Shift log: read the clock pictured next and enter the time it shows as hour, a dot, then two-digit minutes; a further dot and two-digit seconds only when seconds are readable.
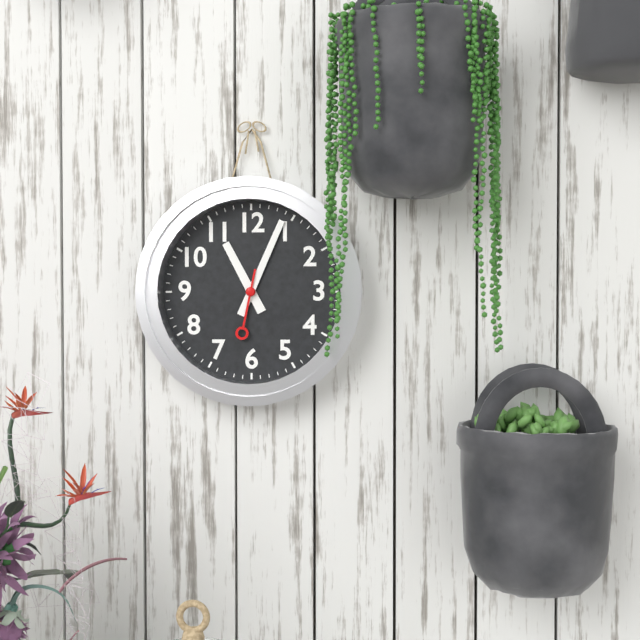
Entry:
11.04.32
